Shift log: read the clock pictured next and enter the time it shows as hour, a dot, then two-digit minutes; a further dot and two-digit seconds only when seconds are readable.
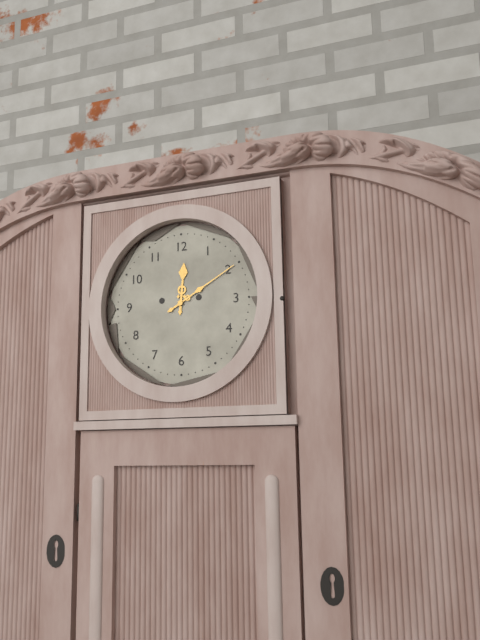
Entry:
12.10
